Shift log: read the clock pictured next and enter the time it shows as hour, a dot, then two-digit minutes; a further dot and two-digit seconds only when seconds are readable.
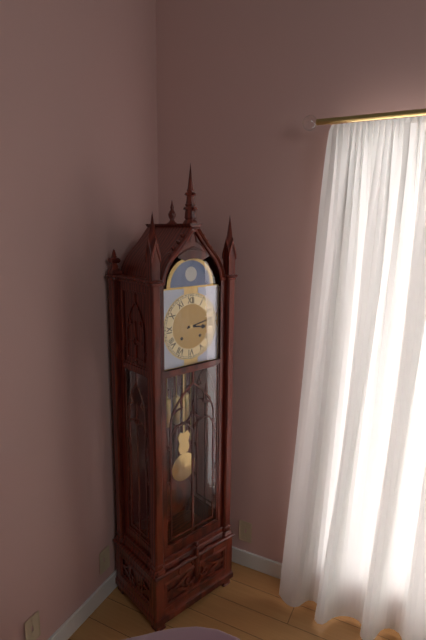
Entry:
3.13
